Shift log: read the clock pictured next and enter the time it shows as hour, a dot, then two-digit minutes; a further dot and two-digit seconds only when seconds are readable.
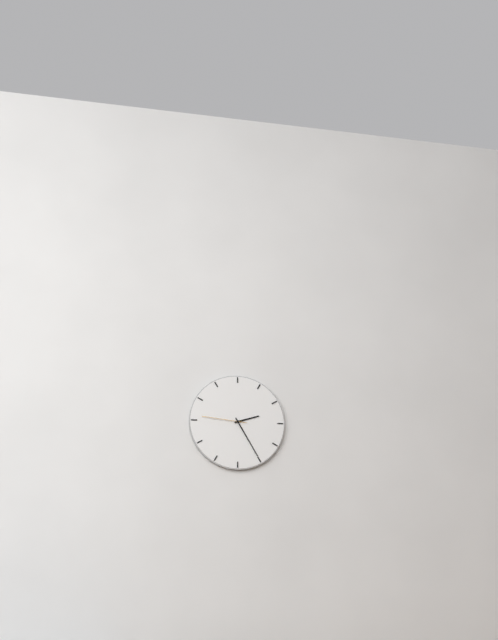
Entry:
2.25
